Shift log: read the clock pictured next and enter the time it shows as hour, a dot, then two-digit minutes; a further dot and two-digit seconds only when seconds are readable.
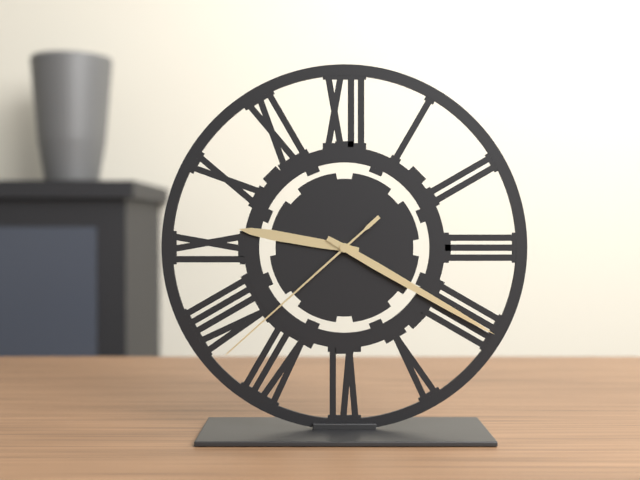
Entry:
9.20.38
